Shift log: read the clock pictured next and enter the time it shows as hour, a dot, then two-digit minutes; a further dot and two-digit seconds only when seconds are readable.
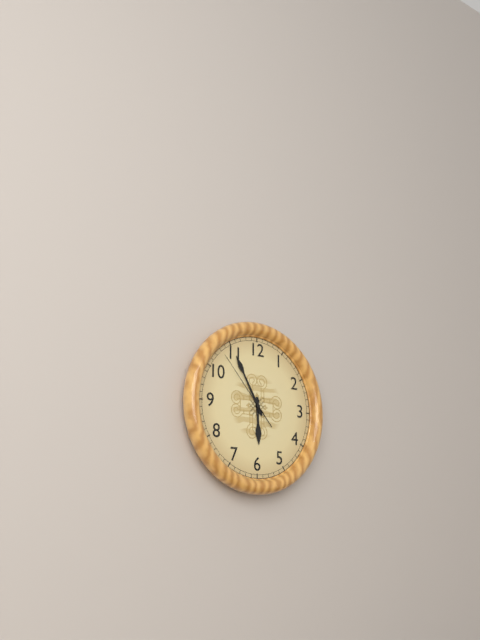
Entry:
5.55.53
